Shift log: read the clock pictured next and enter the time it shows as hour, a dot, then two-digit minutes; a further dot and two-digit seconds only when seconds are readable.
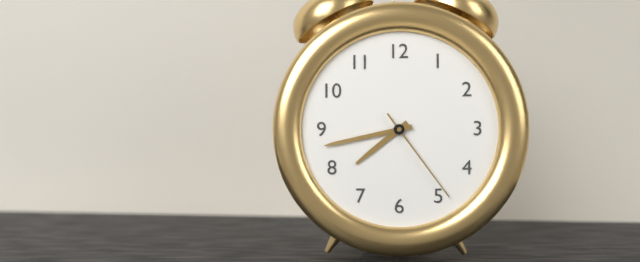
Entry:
7.43.24
